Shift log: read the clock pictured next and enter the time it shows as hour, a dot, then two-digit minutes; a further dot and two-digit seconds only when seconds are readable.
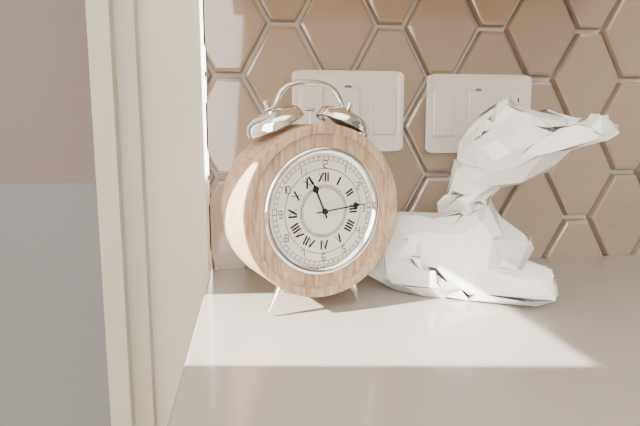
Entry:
11.14
